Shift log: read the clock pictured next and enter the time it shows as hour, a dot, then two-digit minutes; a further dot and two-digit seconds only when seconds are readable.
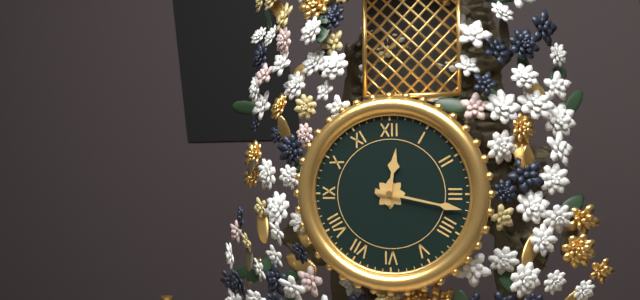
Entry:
12.17
